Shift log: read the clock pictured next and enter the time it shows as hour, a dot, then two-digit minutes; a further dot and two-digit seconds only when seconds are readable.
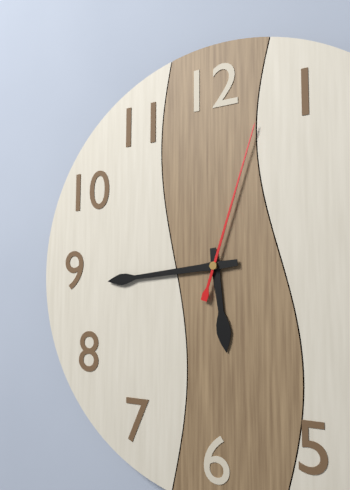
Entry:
5.44.03
